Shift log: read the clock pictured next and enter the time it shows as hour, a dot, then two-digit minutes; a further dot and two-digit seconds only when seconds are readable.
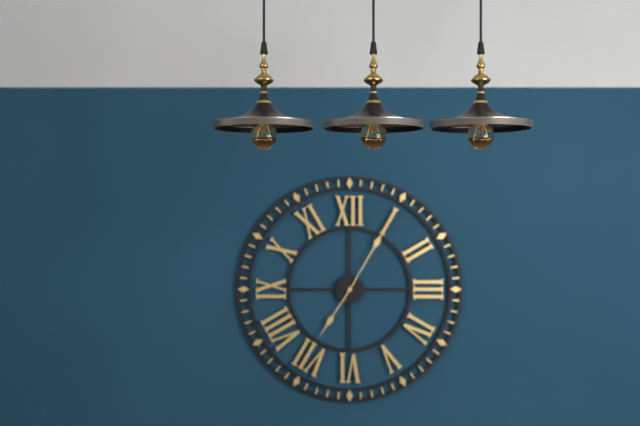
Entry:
7.05
